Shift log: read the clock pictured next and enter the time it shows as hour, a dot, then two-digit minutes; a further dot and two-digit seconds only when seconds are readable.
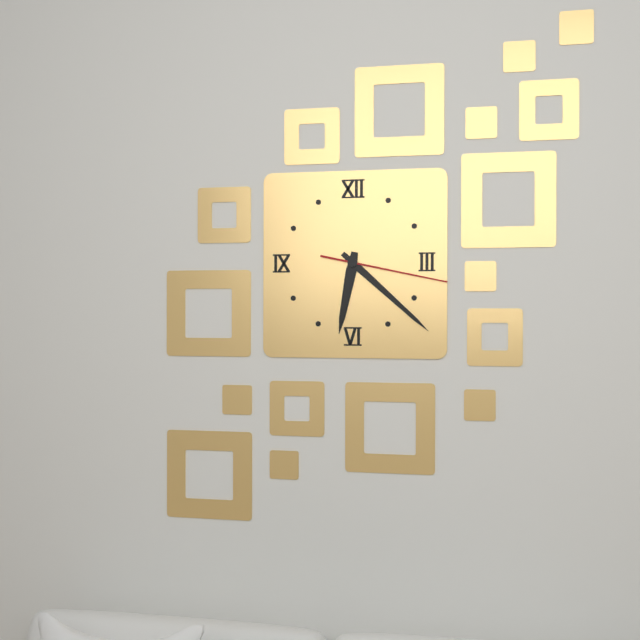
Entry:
6.22.17
